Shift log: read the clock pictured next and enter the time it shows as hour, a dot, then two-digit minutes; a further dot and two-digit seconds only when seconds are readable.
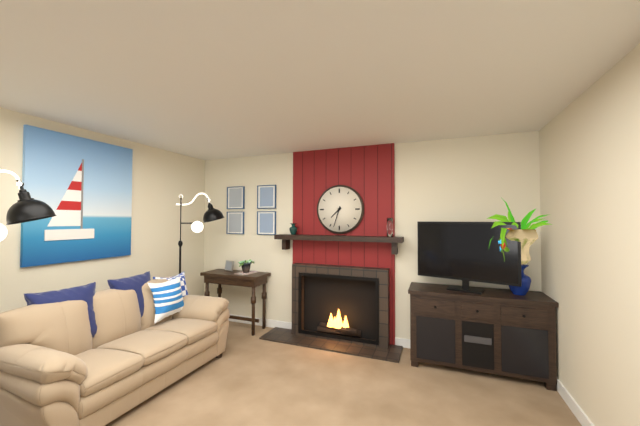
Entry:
7.33
